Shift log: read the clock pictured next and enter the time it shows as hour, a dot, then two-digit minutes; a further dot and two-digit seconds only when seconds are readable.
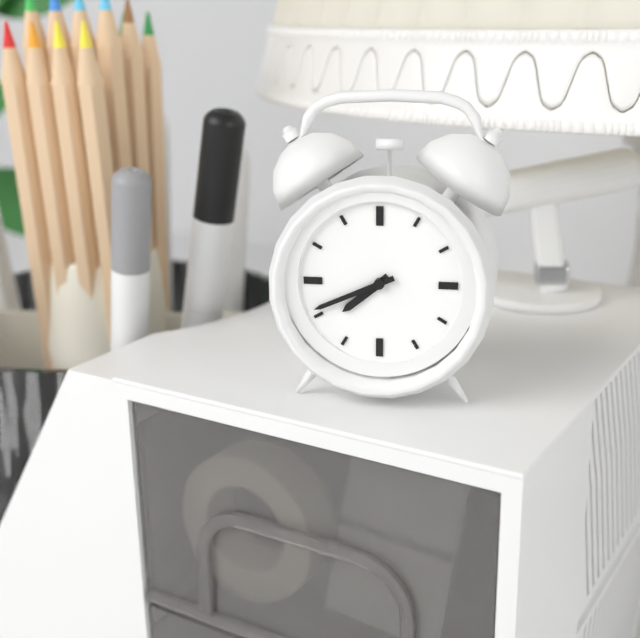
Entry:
7.41
